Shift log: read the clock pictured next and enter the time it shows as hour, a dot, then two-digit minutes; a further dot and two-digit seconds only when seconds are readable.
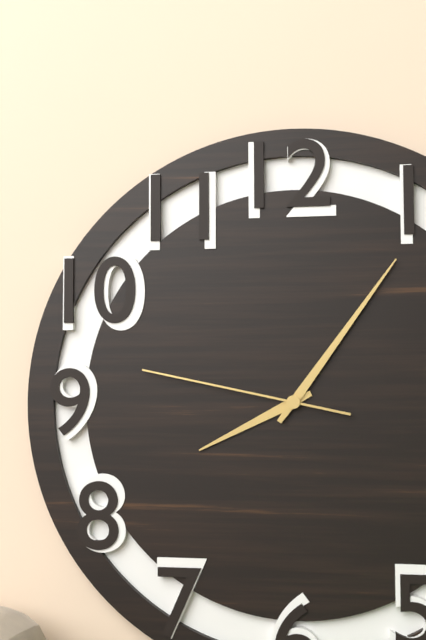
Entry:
8.06.47
